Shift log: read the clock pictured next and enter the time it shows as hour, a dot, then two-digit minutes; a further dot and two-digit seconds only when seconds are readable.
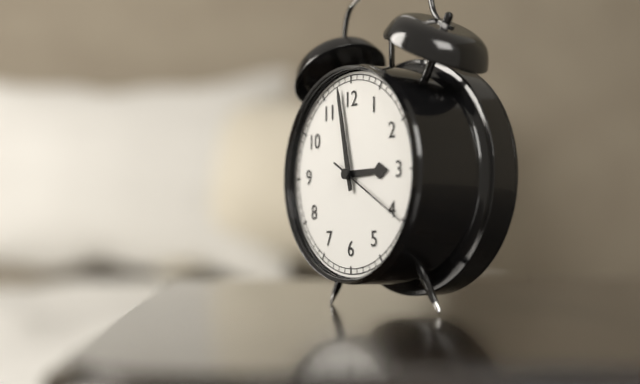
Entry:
2.58.20
